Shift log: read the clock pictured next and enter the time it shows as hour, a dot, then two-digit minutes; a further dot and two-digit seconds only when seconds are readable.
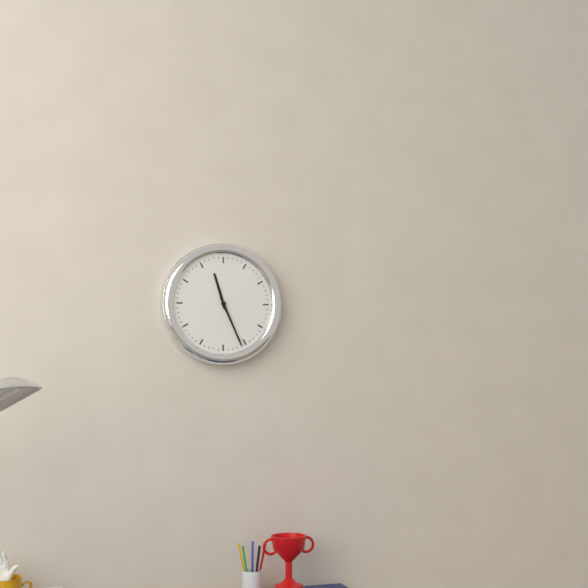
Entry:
11.26
